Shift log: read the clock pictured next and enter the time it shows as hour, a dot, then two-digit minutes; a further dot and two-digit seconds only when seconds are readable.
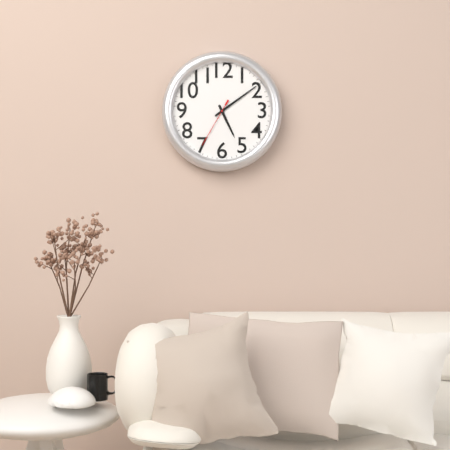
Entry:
5.09.35
